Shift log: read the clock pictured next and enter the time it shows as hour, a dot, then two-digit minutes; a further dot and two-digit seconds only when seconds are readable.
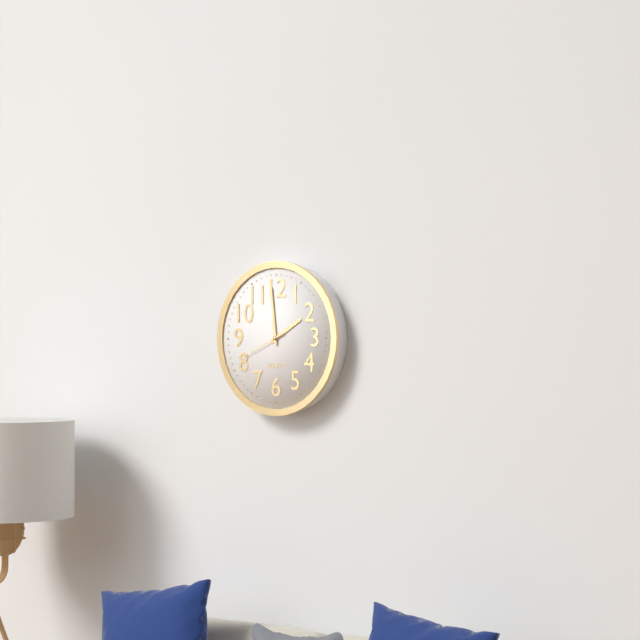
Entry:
1.59
